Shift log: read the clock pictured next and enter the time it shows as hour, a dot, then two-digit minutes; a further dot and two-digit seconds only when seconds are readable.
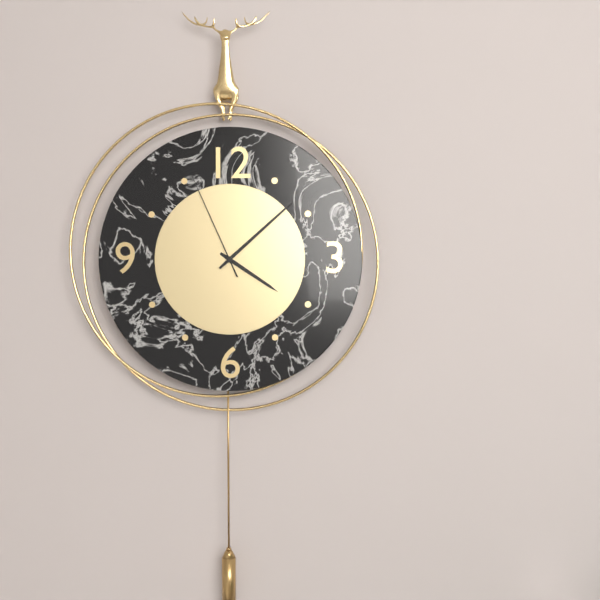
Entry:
4.08.56
